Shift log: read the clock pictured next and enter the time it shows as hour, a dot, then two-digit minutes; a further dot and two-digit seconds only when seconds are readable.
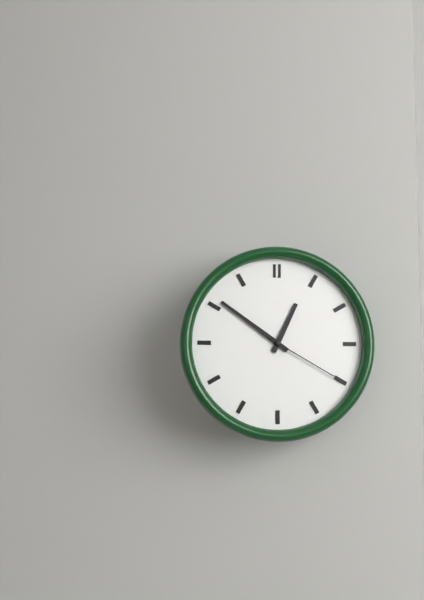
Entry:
12.51.20
